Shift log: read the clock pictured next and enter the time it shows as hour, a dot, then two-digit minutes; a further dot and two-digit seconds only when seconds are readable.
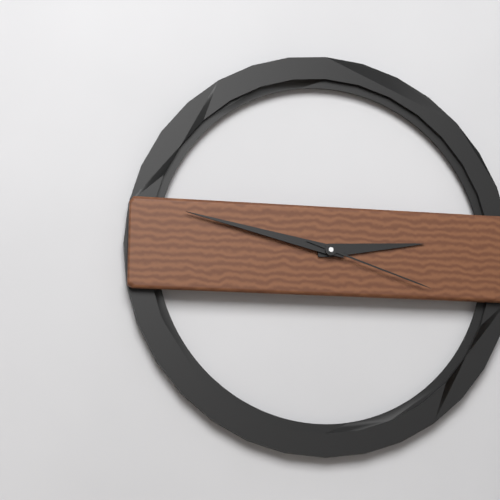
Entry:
2.47.18
